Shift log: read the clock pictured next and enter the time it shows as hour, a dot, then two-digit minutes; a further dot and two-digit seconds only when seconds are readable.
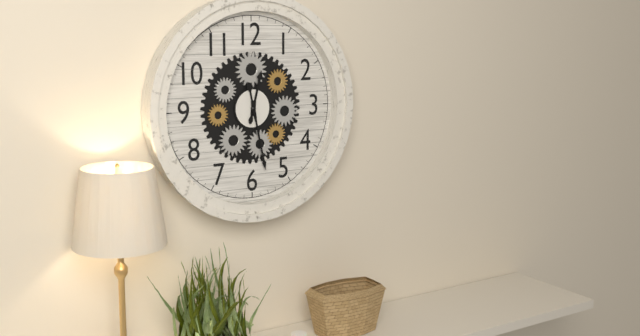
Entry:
12.28
